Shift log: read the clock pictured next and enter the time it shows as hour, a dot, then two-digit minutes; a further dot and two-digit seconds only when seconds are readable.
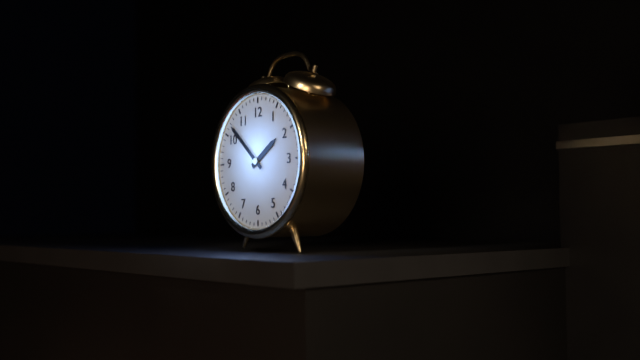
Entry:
1.52
